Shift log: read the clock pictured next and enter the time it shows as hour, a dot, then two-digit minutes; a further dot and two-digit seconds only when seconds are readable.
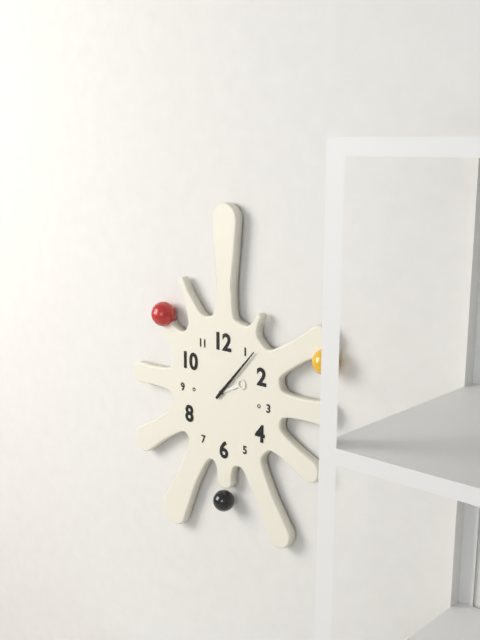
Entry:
2.07
